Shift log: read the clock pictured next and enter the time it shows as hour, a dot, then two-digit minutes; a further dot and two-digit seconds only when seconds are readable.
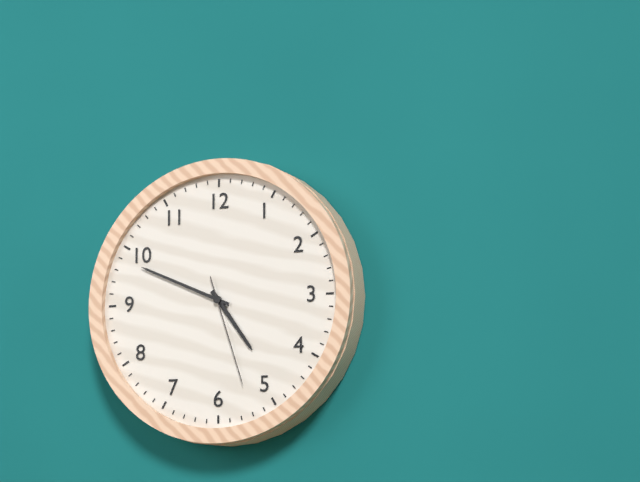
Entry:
4.49.27
